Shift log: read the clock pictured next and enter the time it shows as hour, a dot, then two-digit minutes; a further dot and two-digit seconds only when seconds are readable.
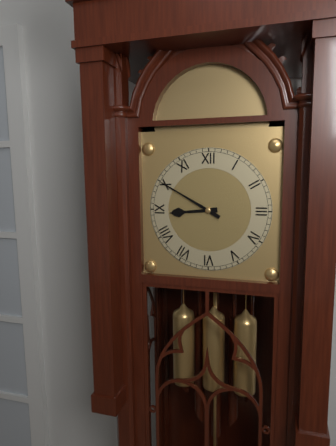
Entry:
8.50
